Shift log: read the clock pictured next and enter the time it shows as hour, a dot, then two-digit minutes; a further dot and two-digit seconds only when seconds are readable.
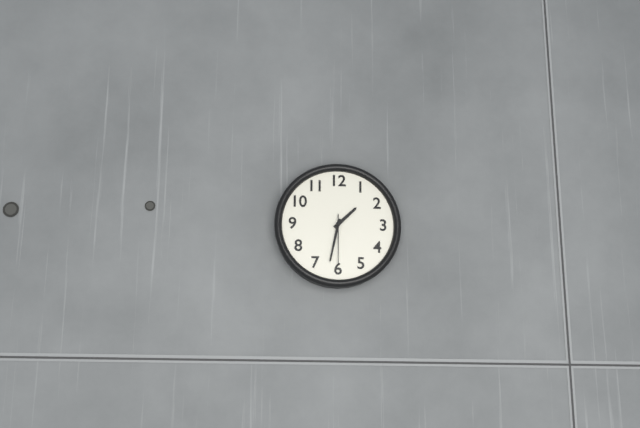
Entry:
1.32.30
